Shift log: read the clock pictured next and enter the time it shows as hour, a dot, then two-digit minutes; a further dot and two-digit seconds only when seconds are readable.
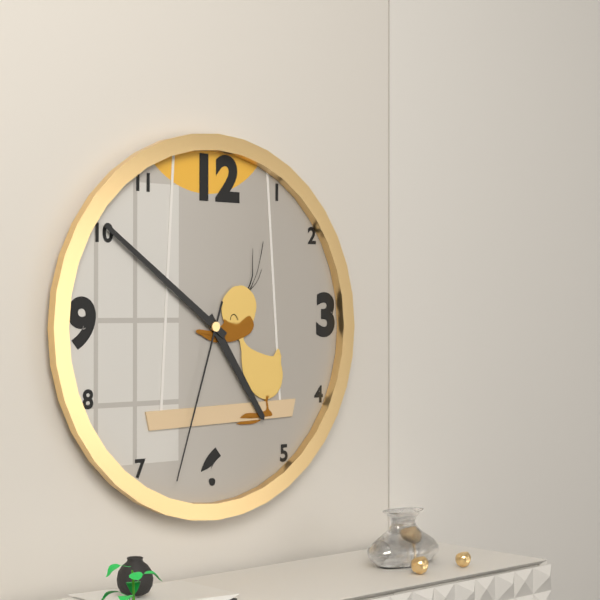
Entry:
4.51.33
